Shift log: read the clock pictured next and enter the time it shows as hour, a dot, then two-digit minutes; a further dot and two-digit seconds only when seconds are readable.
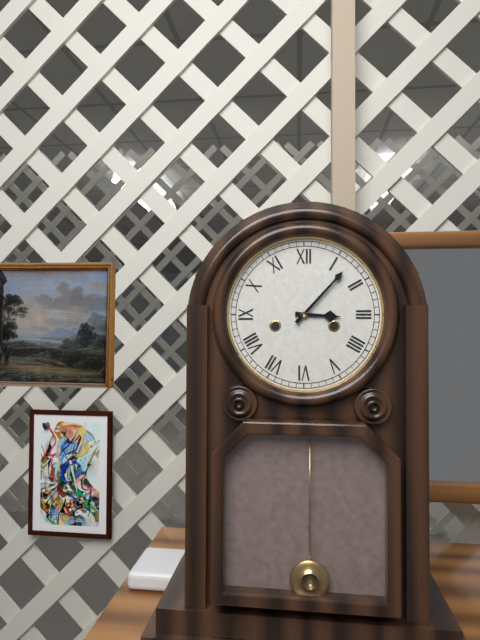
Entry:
3.07
